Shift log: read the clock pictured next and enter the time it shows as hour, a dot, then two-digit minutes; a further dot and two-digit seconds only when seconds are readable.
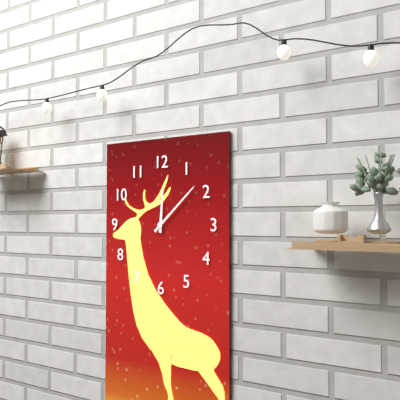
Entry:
12.08
